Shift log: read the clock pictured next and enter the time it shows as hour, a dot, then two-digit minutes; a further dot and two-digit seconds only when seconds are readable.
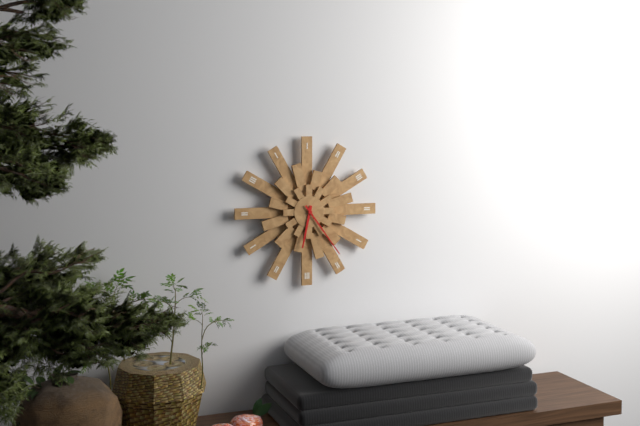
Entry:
6.24
